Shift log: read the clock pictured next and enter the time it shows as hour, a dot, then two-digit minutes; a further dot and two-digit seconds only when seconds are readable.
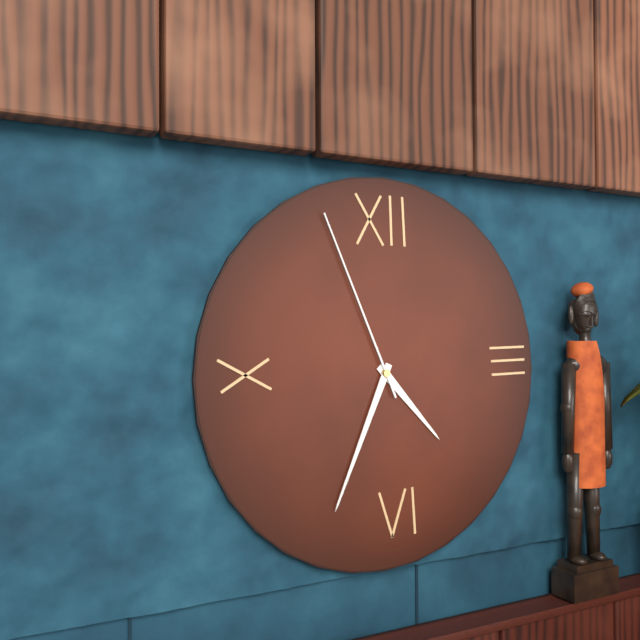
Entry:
4.34.56
